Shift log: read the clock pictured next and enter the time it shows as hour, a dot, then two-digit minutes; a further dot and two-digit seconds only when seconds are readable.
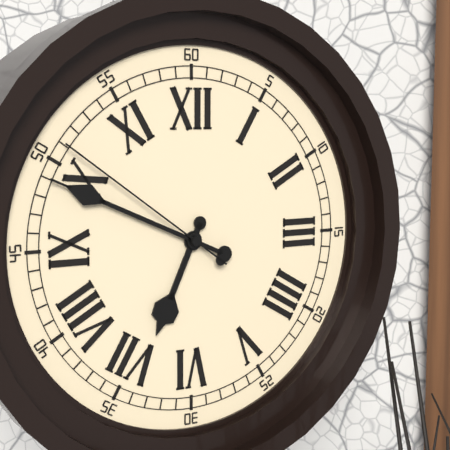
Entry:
6.49.51
